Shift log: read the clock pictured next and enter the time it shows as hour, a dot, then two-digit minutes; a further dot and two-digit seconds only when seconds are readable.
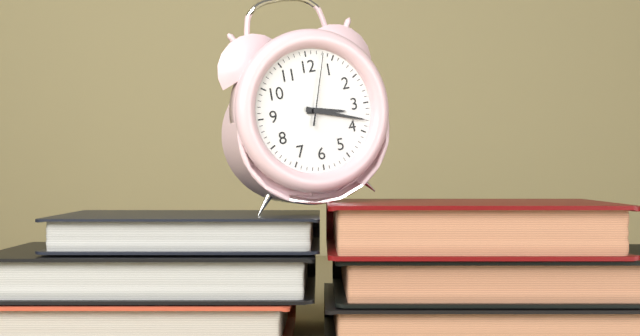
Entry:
3.18.03
